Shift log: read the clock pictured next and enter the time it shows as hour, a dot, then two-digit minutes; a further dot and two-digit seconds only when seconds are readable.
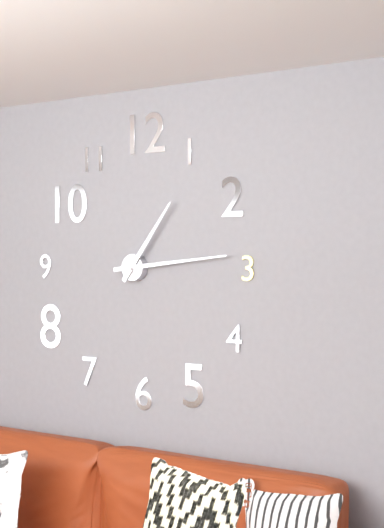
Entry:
1.14
